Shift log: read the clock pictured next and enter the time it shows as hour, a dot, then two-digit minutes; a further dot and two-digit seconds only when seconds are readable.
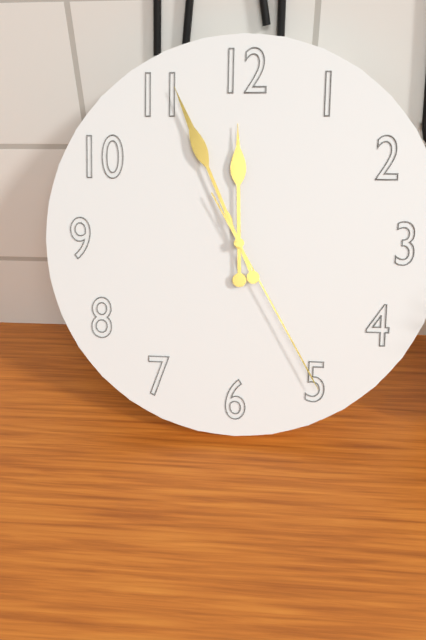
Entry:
11.56.25
